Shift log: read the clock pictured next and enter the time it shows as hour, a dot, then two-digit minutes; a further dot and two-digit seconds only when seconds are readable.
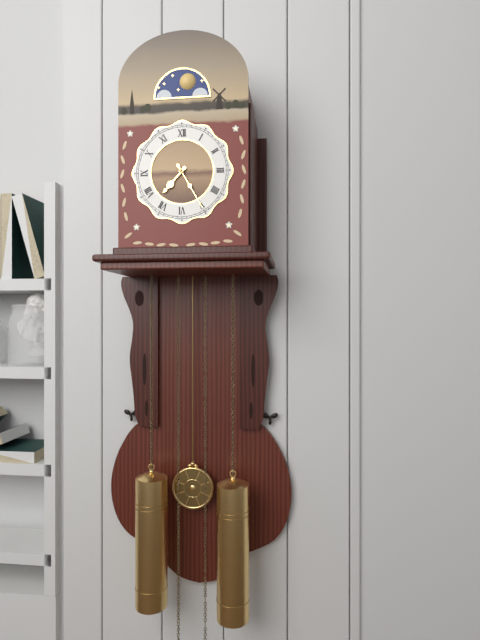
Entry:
7.25
